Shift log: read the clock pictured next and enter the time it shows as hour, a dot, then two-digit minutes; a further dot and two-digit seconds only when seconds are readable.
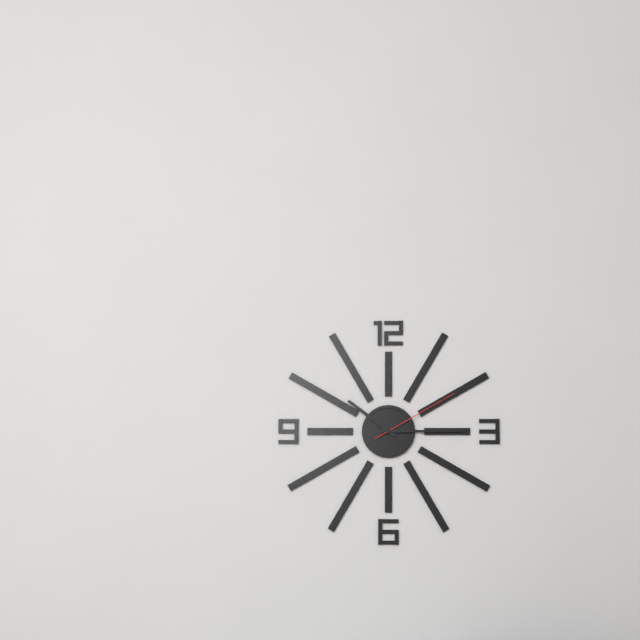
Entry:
10.15.10
